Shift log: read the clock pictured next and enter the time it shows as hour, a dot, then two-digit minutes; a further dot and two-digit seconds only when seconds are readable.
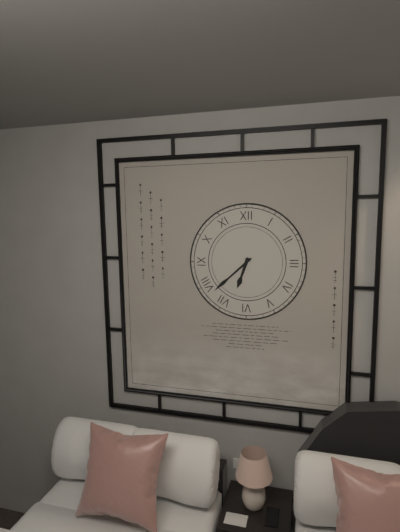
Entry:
6.38
